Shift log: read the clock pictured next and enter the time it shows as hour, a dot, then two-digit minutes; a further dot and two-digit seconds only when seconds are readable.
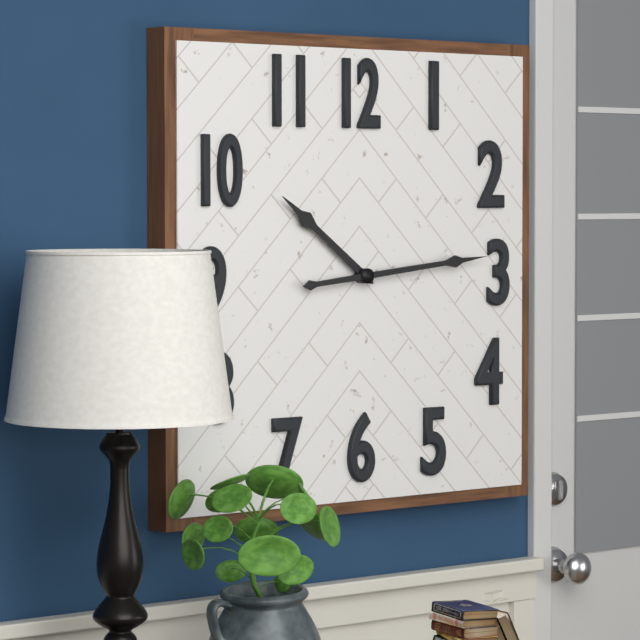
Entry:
10.14
